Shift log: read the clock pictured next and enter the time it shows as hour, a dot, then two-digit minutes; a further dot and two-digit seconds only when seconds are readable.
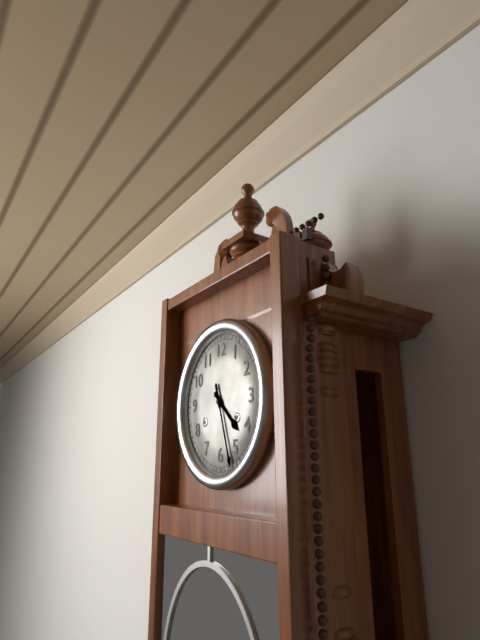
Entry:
4.27
